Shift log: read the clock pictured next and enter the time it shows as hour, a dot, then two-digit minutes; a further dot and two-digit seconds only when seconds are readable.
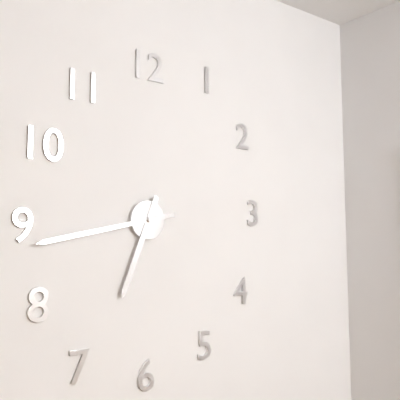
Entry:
6.43
